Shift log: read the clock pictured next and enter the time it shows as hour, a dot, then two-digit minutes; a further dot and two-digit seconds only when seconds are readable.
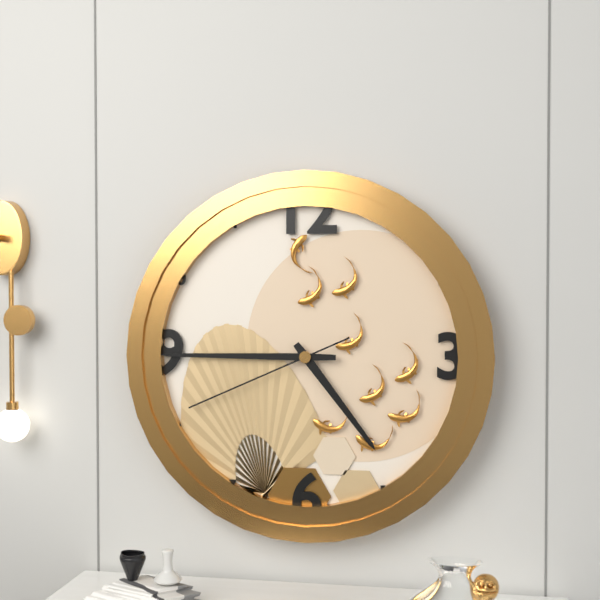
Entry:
4.45.41
